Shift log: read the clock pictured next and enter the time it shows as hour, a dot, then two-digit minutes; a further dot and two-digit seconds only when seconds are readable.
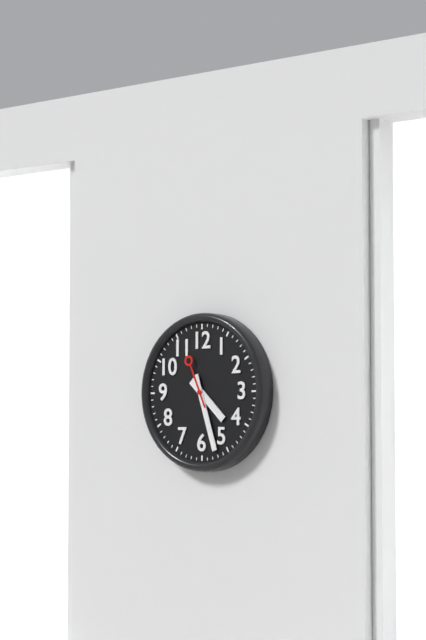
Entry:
4.27.56
